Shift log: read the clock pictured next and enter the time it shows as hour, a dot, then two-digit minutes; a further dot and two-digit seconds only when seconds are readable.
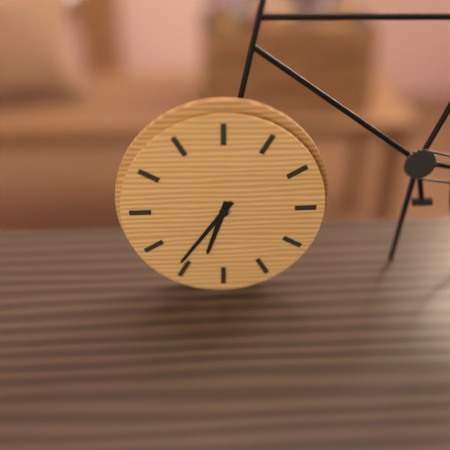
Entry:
6.36
